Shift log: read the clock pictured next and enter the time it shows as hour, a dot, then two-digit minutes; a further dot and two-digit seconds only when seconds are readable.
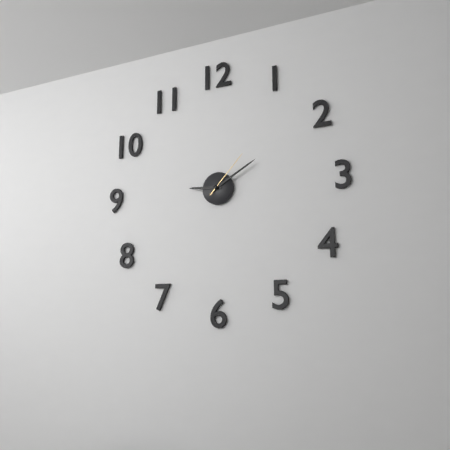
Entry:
9.10.07
